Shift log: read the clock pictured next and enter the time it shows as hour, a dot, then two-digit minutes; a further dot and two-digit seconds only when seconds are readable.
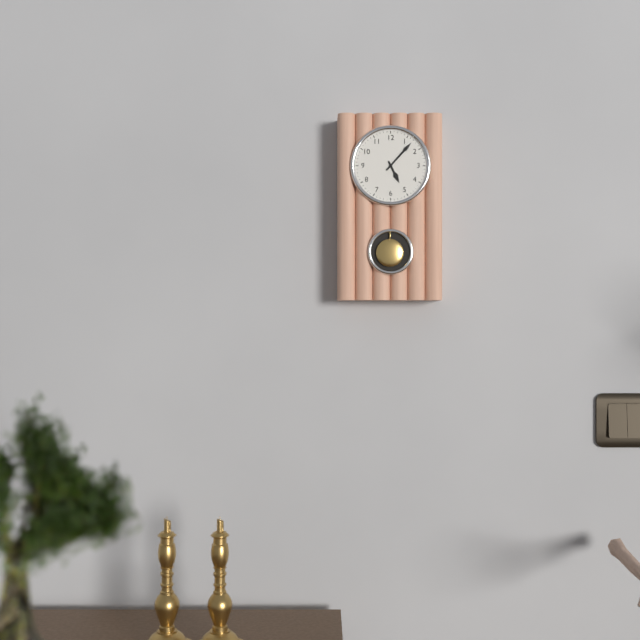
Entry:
5.07
